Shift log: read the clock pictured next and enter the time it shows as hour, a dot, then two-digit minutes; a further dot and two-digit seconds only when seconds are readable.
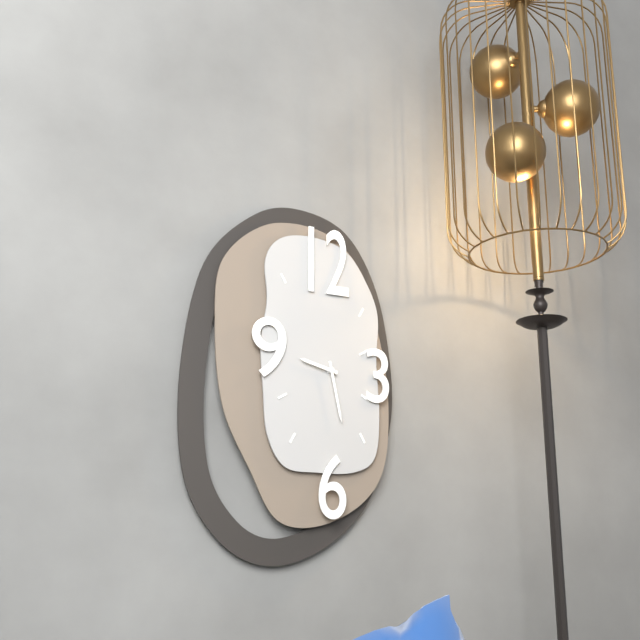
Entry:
9.28
